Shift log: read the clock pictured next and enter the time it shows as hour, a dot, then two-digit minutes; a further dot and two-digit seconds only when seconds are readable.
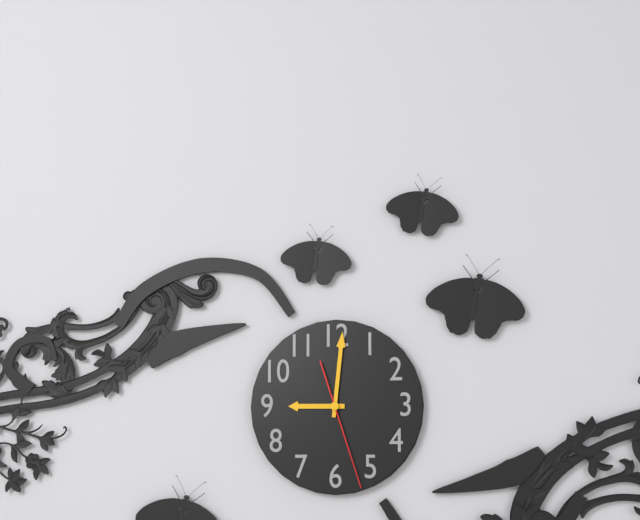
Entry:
9.01.27
